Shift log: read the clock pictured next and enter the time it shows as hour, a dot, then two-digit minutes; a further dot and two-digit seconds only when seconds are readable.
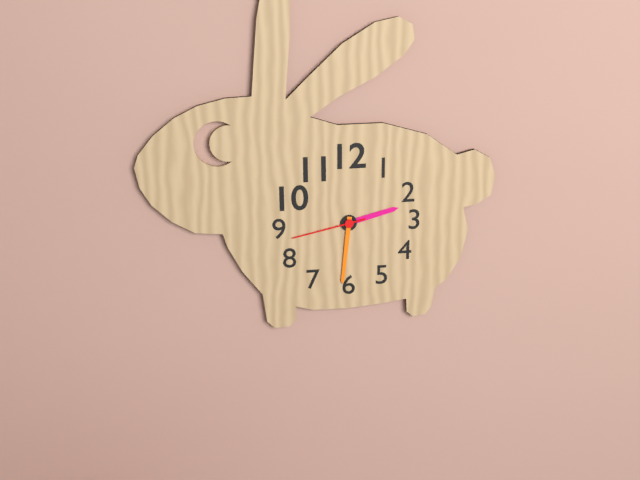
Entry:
2.31.43
